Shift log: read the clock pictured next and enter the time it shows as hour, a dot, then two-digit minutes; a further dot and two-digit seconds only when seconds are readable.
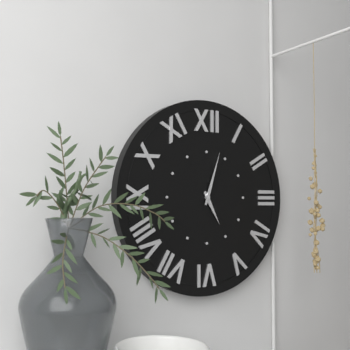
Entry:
5.03
